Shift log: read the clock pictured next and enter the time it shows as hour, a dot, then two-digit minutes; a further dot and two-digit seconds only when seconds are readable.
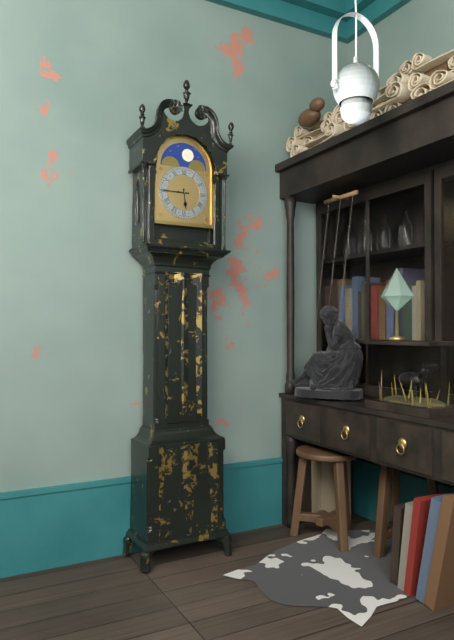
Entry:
5.45
